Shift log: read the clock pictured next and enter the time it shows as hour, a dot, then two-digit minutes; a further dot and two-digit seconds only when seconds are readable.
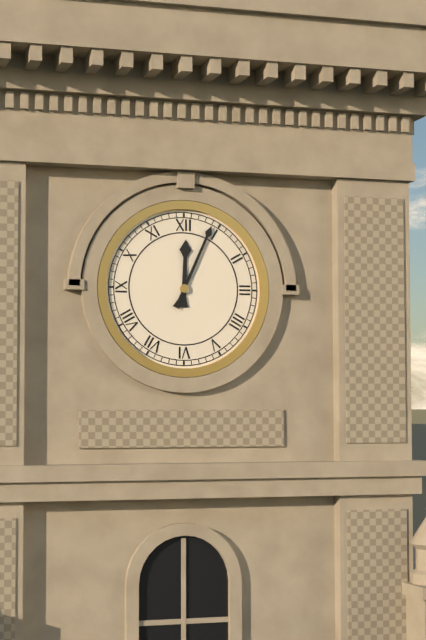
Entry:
12.04
